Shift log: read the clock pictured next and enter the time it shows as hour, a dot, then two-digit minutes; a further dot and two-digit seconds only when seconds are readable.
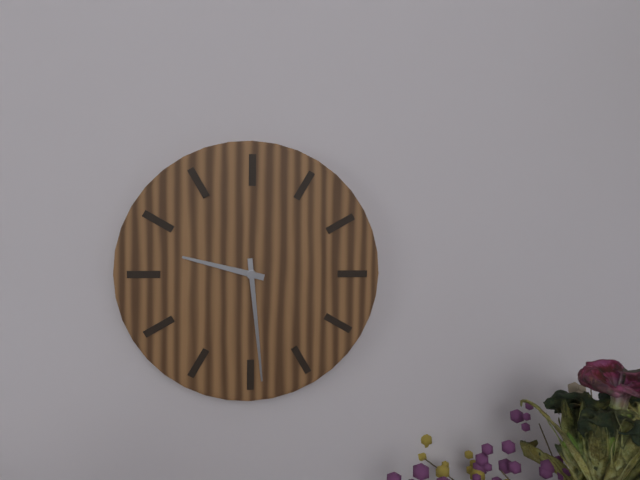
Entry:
9.29
